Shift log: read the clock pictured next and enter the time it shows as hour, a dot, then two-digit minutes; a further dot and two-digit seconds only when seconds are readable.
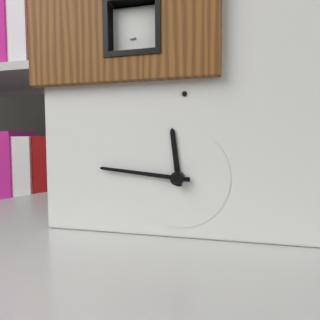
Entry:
11.46
